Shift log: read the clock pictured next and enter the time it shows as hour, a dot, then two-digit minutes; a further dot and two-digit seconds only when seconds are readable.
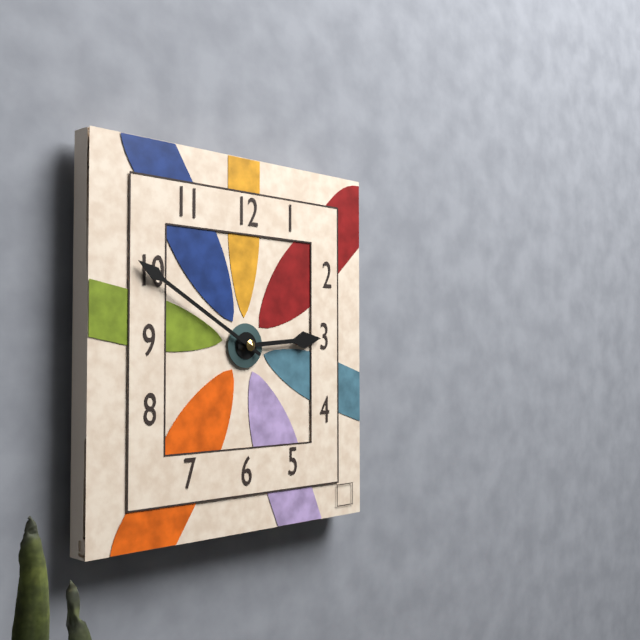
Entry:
2.50
